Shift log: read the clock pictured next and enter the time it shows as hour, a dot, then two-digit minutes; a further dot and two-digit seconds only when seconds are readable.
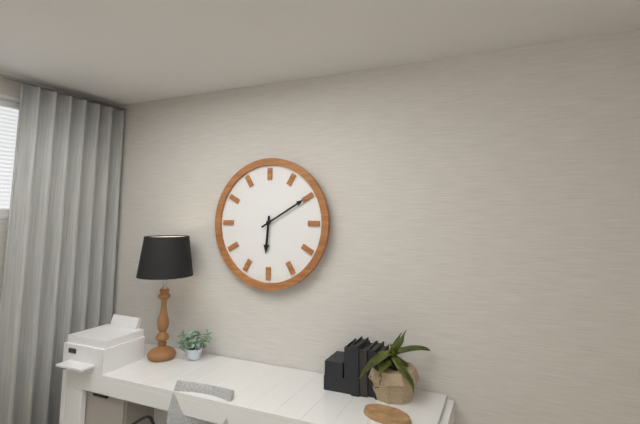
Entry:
6.10
